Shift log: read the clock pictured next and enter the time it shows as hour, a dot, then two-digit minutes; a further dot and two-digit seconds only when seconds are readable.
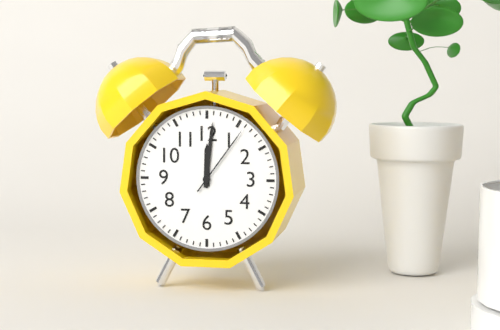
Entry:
12.01.06
